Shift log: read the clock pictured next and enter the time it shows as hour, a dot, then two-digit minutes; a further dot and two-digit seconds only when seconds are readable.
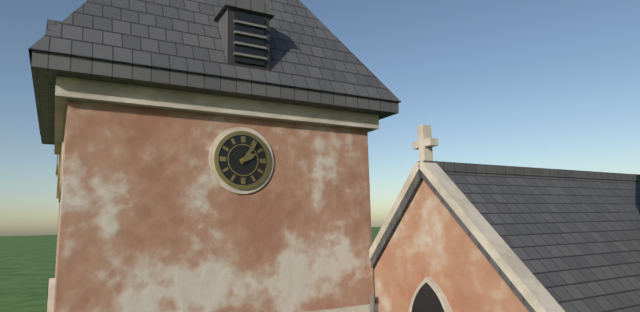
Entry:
2.06
